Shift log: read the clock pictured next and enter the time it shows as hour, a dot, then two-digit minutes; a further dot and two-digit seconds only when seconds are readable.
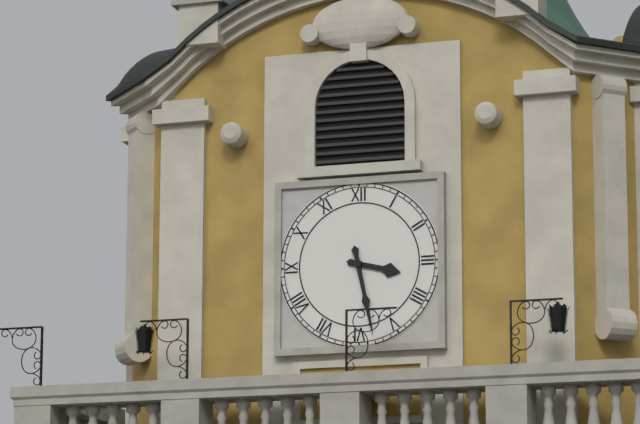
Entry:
3.28
